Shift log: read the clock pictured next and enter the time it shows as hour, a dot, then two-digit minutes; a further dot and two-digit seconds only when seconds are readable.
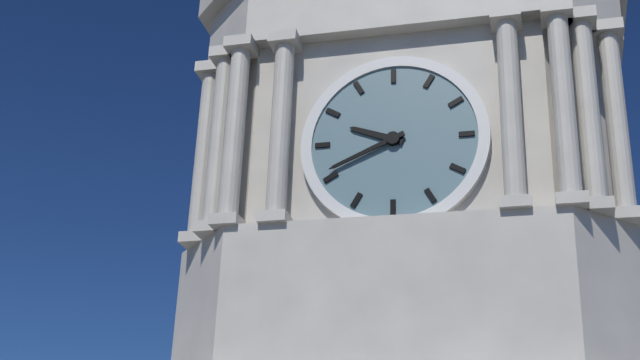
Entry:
9.41
